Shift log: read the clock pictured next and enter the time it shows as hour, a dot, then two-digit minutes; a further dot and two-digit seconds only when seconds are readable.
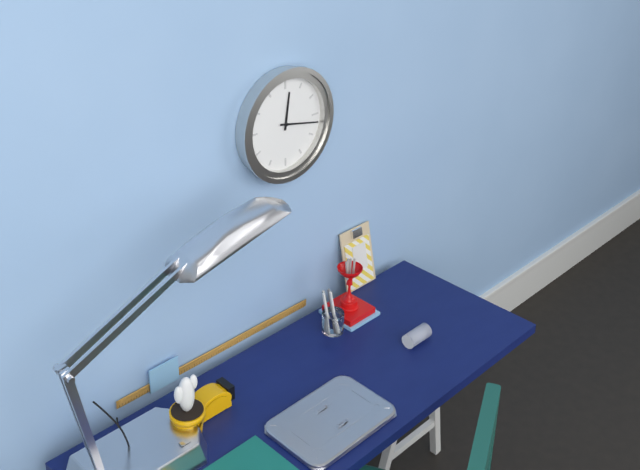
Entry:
12.17
